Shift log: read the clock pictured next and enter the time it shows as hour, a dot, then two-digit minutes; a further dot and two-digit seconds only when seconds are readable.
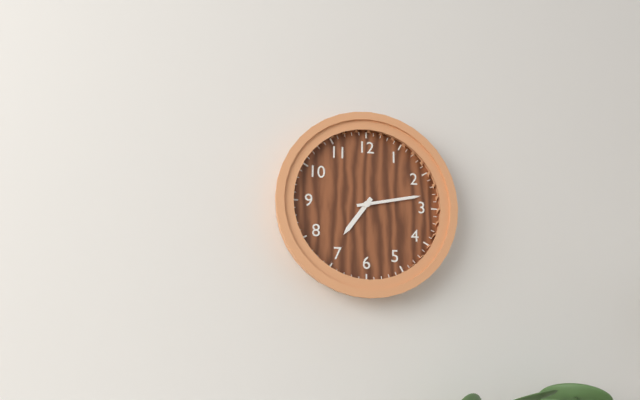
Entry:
7.13
